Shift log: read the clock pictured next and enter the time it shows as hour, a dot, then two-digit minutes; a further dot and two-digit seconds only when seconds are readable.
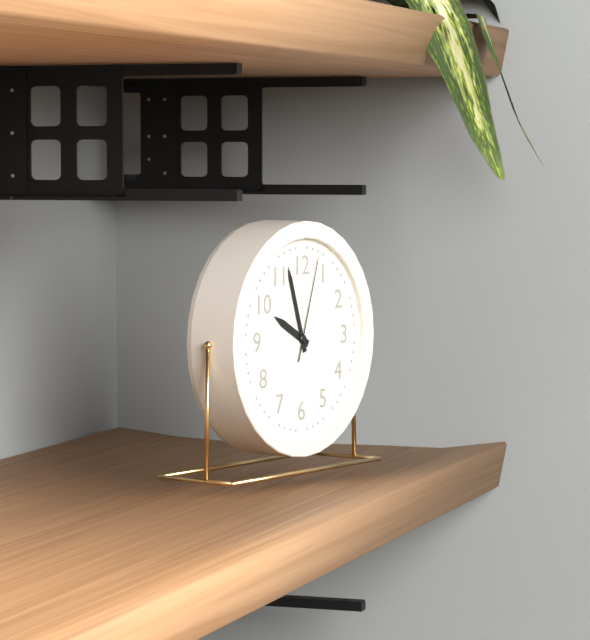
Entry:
9.57.03
